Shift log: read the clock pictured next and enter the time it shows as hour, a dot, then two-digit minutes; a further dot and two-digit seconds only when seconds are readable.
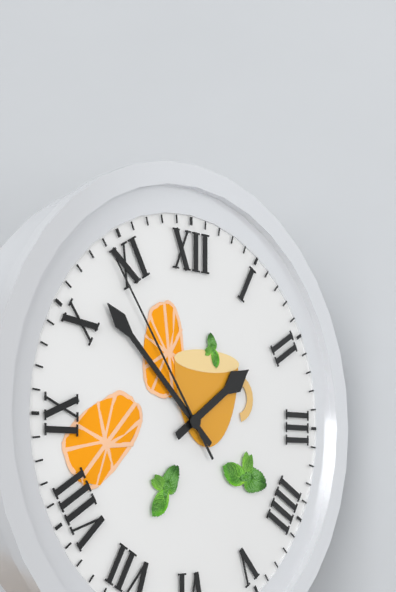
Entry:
1.52.54
